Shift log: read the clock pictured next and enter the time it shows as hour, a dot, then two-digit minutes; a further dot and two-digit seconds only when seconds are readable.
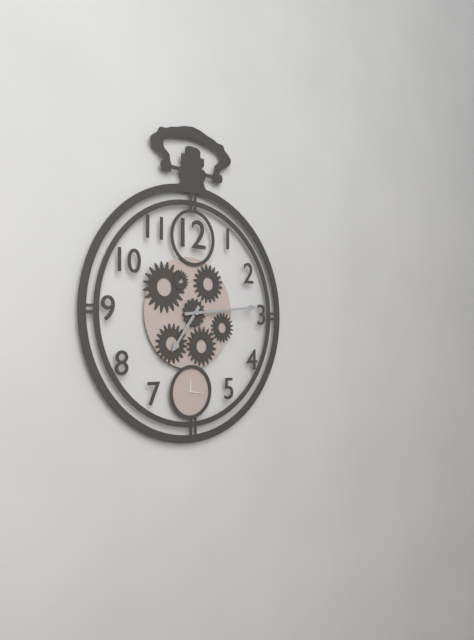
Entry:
7.14
